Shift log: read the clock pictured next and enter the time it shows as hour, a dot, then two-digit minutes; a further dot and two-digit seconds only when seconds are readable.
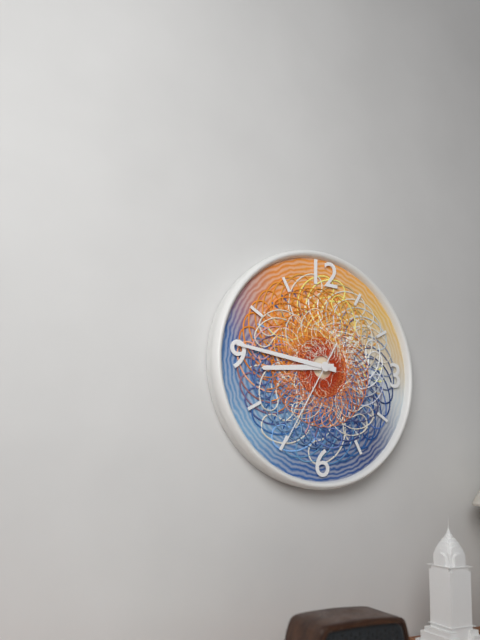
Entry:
8.46.35
